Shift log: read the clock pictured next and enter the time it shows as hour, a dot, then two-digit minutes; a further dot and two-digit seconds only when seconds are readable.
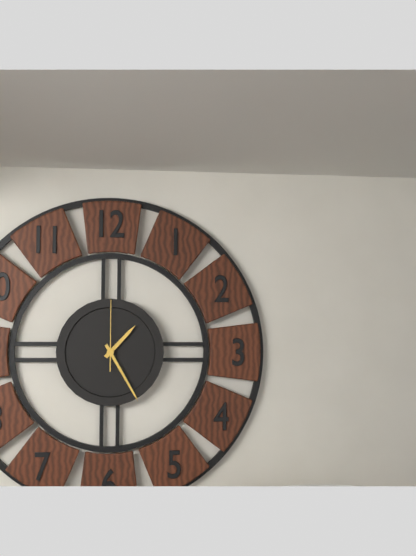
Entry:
1.25.00
